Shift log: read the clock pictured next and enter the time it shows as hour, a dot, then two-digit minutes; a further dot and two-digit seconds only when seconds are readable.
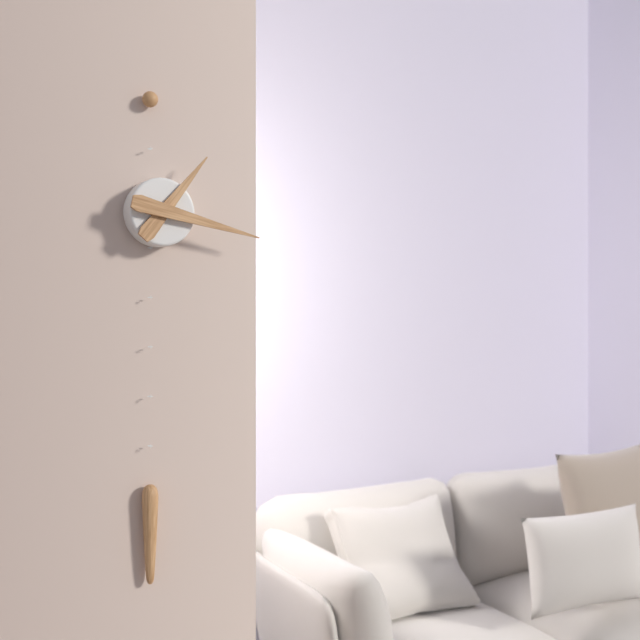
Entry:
1.17
